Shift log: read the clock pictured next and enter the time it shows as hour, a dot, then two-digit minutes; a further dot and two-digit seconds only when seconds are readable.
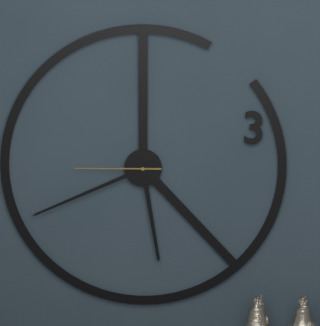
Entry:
5.41.45
